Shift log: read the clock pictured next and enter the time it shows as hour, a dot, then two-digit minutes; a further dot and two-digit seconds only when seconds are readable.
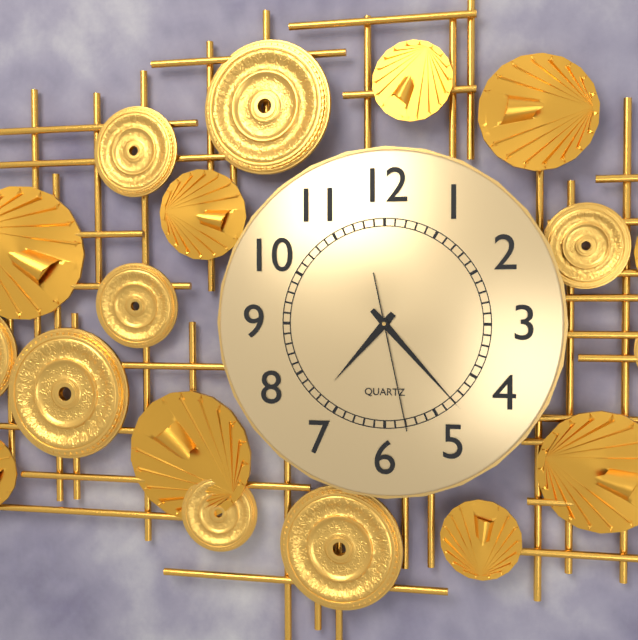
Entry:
7.23.28
